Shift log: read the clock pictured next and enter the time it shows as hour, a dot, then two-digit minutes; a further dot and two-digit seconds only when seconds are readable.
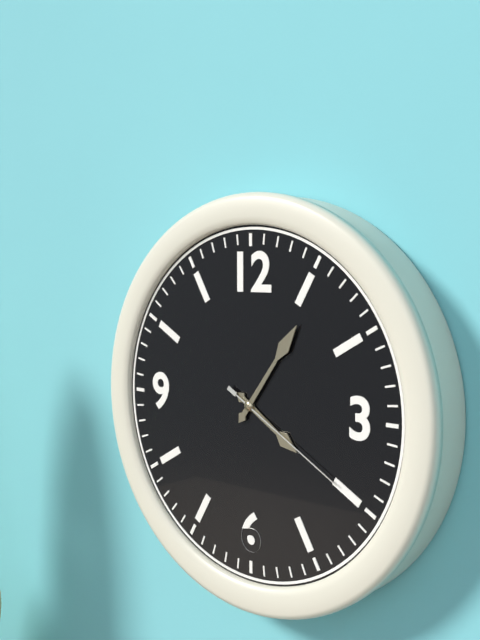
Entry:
4.06.20
